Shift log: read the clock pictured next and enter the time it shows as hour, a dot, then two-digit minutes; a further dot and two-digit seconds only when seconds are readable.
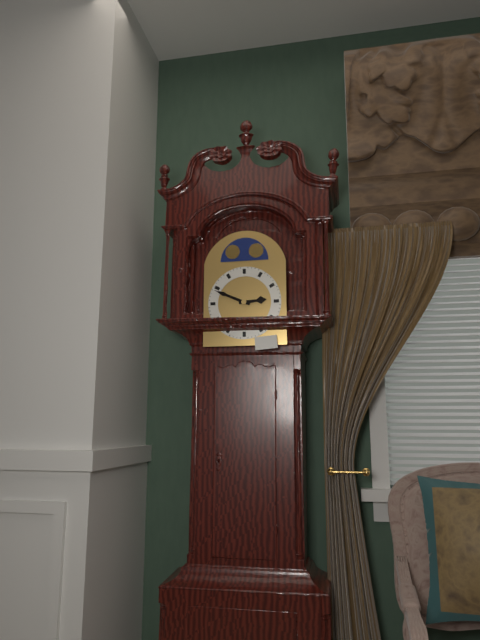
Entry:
2.49
